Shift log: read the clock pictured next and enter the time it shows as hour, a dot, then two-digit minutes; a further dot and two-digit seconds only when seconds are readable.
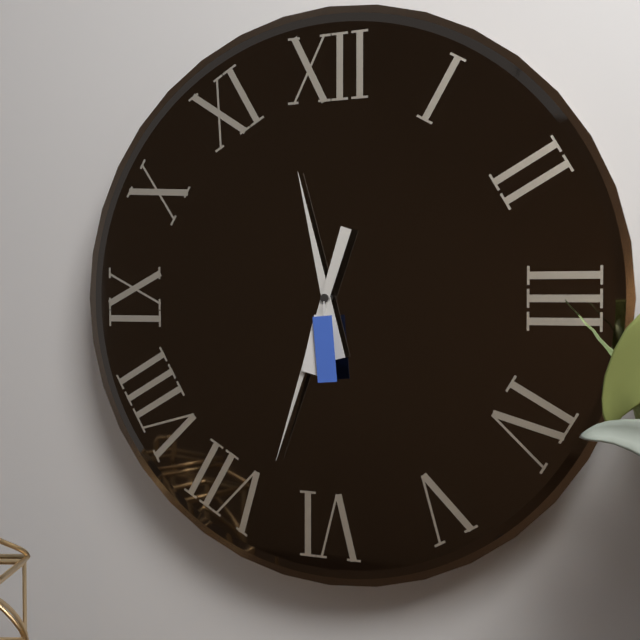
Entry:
11.33
